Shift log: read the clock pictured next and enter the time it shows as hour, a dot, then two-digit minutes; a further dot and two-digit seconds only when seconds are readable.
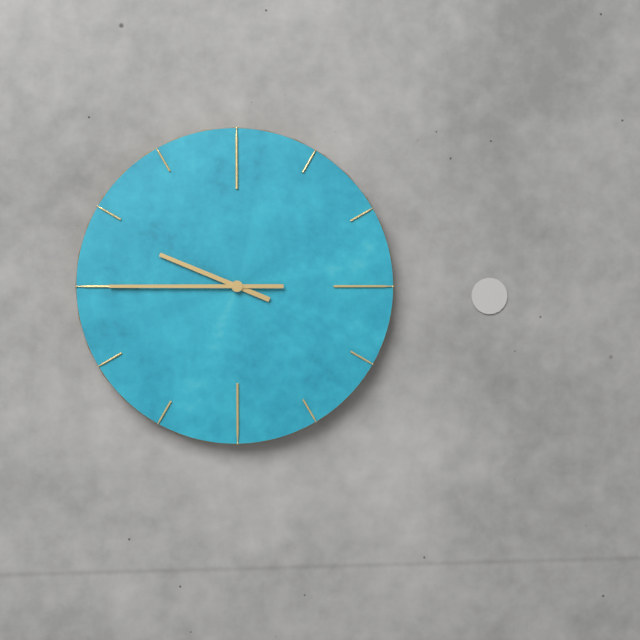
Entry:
9.45
